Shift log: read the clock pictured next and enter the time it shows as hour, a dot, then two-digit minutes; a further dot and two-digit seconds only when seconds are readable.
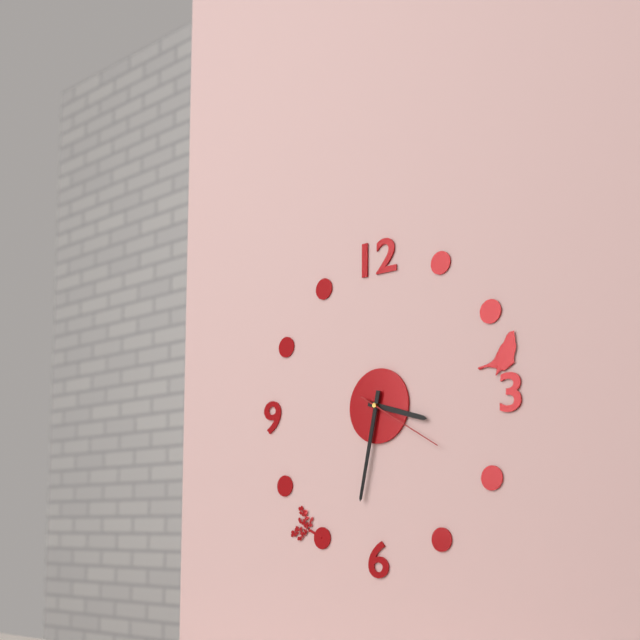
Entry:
3.32.20
